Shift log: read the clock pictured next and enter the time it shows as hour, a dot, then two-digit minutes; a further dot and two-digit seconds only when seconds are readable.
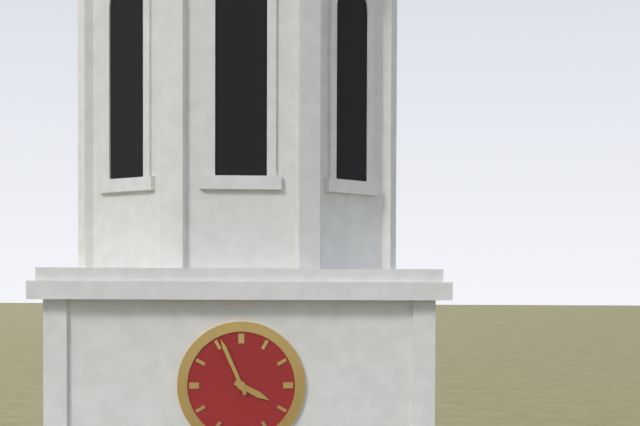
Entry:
3.56
